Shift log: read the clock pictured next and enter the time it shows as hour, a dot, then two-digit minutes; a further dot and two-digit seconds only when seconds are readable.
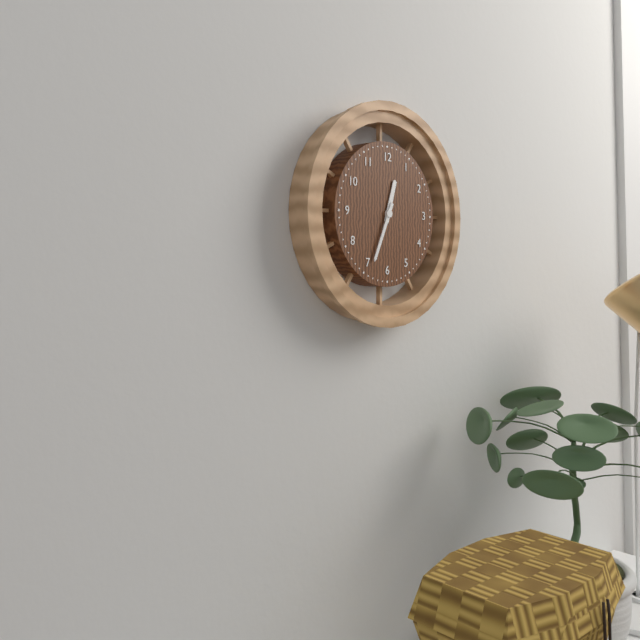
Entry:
12.34
